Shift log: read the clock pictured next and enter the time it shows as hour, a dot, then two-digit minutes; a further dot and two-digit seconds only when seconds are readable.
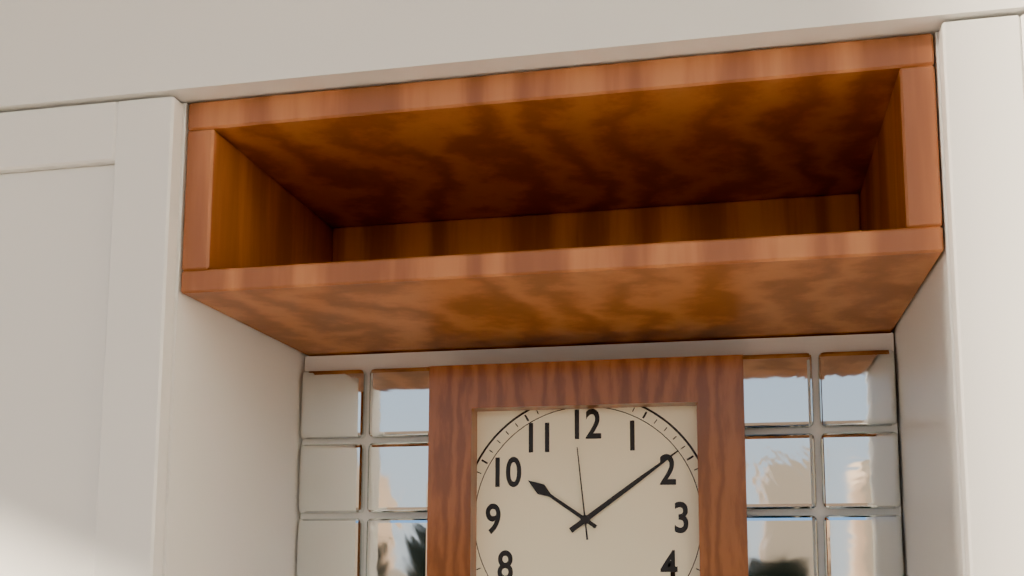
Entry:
10.09.59
